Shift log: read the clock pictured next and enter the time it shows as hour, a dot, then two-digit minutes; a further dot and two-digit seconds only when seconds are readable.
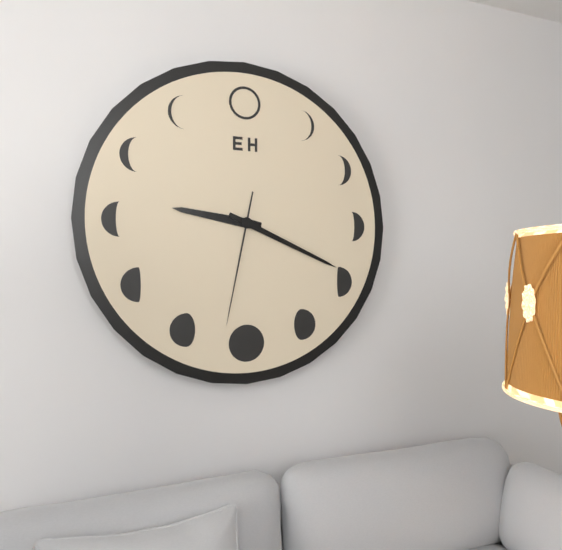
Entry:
9.19.32
